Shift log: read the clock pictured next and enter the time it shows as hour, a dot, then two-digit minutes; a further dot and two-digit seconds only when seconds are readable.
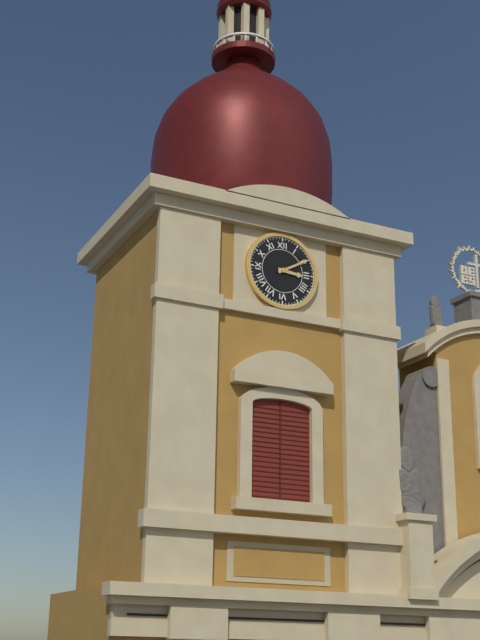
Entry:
3.10
